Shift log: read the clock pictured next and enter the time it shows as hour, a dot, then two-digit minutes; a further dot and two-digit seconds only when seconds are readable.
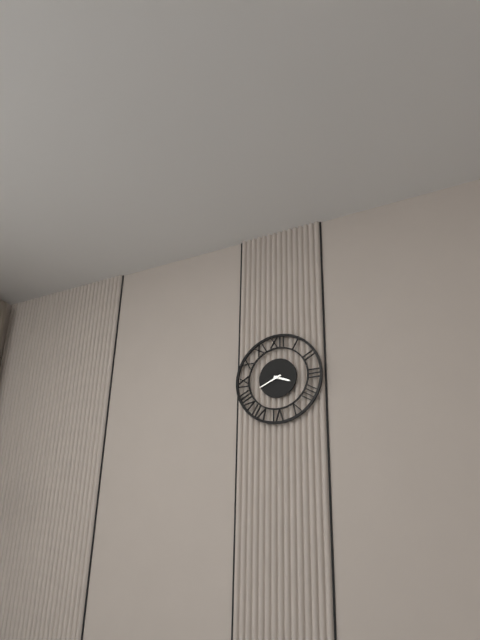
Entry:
3.41
